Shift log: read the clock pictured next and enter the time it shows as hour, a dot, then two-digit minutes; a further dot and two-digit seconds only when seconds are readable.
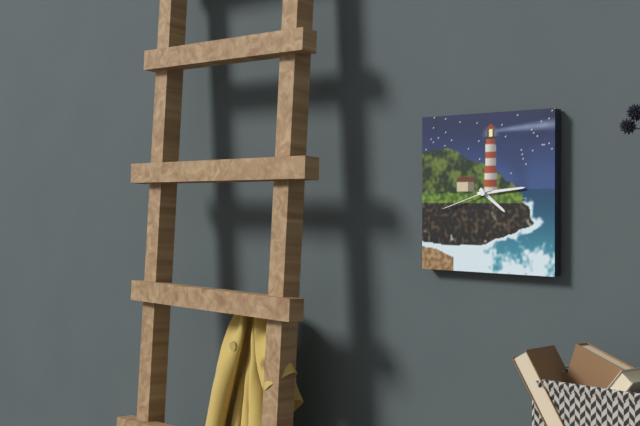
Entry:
4.14.42
